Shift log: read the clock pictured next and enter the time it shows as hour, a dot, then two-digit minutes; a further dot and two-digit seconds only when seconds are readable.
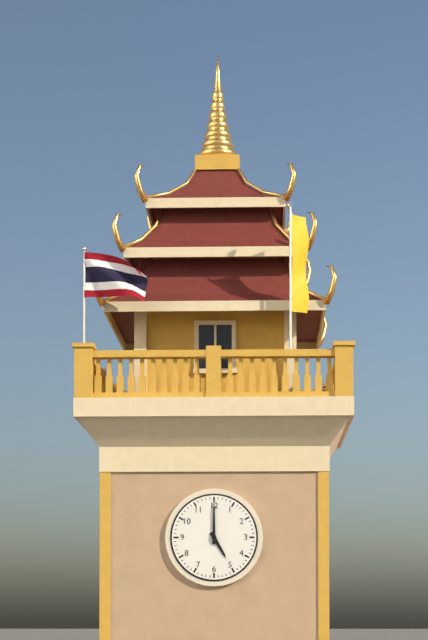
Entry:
5.00
